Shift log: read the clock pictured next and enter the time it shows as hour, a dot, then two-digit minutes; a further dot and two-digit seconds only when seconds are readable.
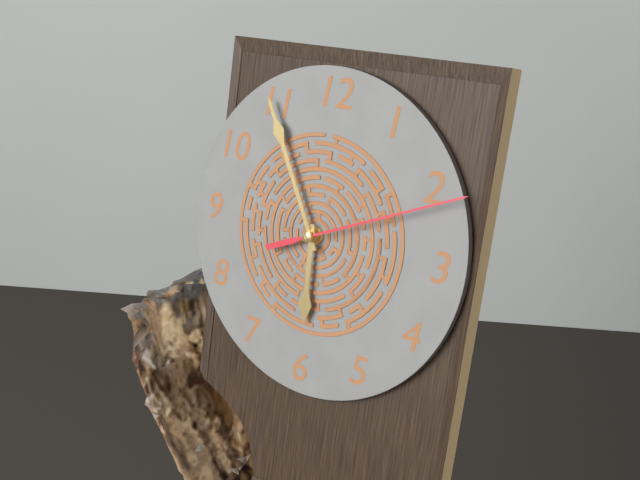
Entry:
5.55.11
